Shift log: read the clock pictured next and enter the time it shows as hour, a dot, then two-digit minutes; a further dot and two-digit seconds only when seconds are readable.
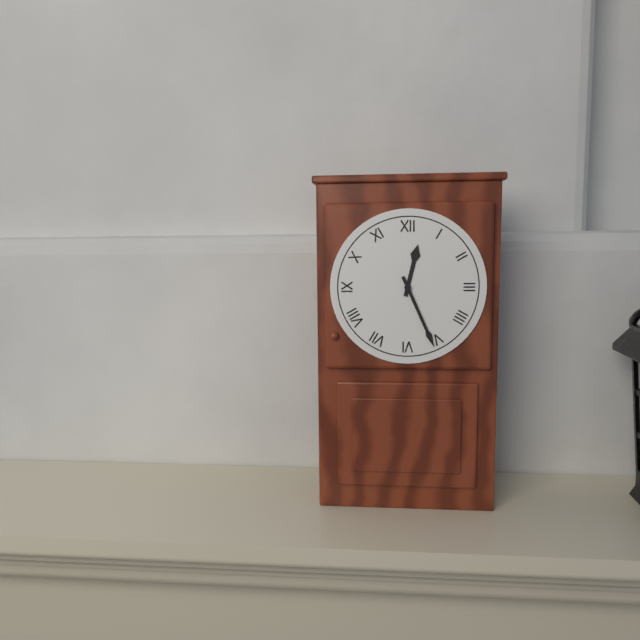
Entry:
12.26
